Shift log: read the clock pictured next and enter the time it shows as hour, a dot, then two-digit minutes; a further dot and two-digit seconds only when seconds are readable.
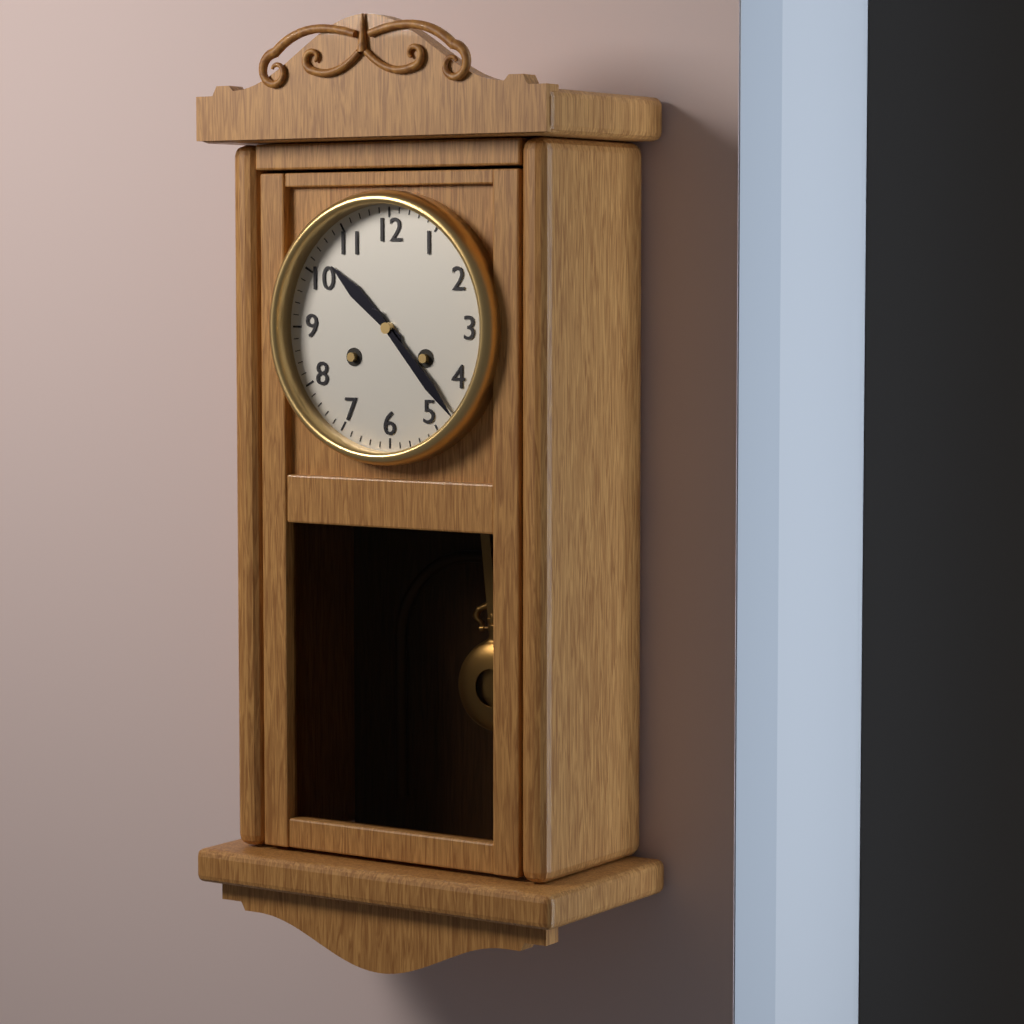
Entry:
10.23
